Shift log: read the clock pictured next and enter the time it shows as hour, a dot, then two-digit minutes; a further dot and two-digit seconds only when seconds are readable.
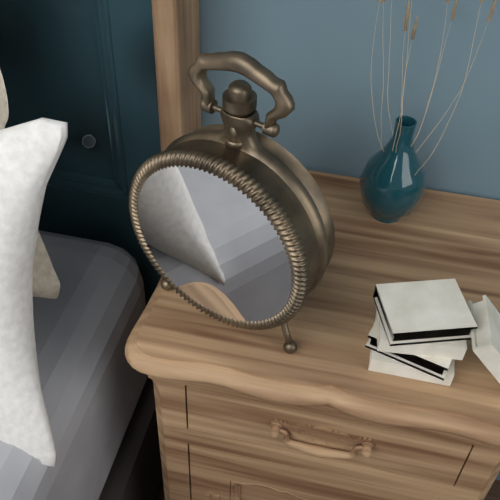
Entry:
8.08
